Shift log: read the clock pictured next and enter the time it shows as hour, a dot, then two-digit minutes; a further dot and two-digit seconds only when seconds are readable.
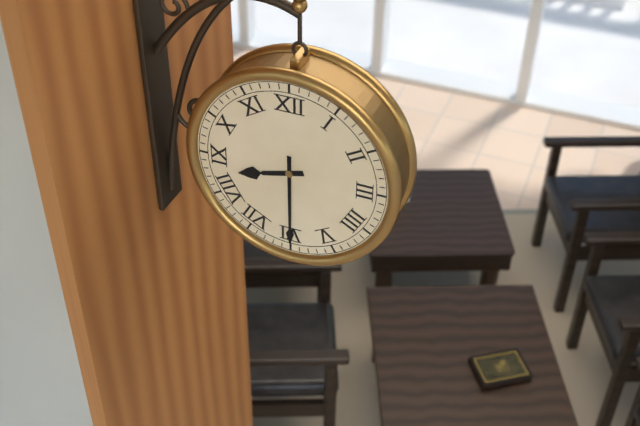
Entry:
8.30
